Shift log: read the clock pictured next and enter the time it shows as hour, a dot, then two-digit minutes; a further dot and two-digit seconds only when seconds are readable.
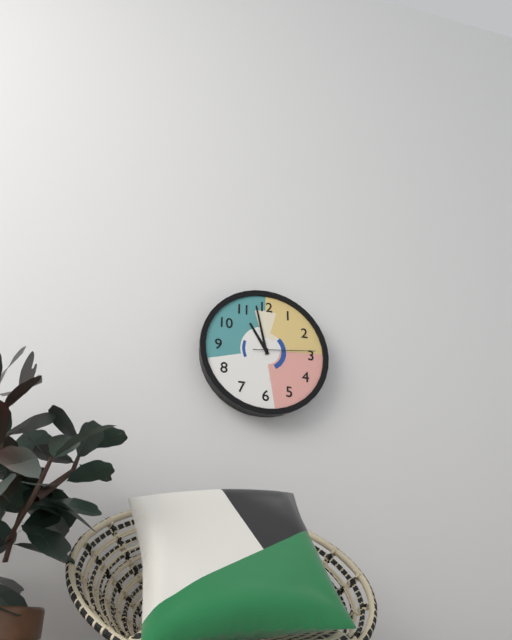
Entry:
10.58.14
